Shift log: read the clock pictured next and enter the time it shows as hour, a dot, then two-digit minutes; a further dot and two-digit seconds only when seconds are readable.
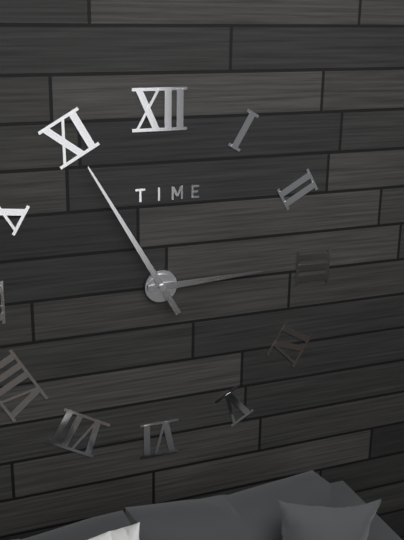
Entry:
2.55
